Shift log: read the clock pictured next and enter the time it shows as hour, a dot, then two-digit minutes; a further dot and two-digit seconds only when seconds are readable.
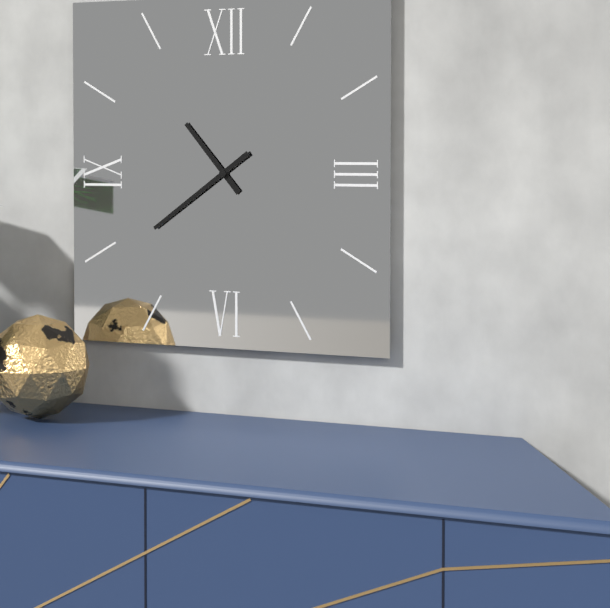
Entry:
10.39
